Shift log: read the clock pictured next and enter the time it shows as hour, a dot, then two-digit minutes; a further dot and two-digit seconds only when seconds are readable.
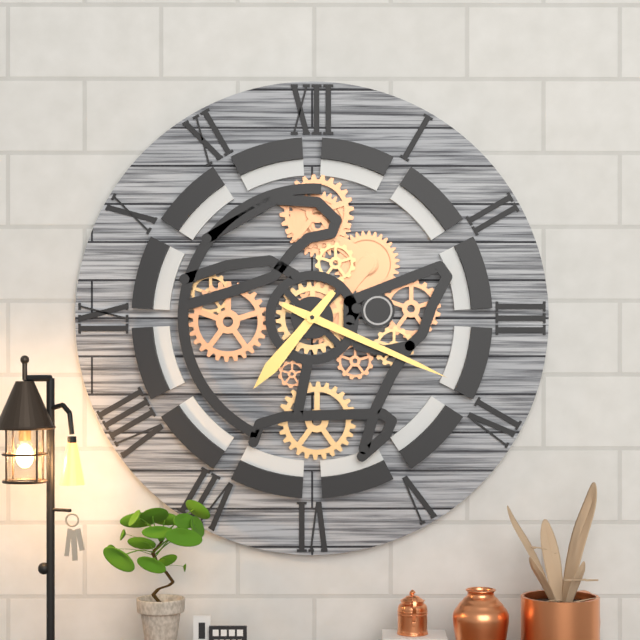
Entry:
7.19
